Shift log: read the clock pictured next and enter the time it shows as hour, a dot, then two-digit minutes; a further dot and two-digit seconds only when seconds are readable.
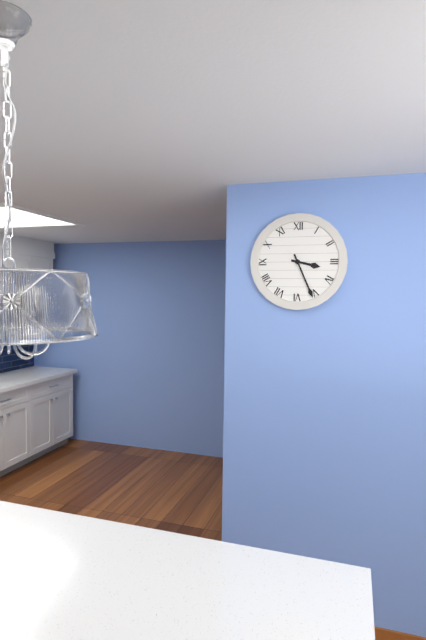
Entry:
3.26
